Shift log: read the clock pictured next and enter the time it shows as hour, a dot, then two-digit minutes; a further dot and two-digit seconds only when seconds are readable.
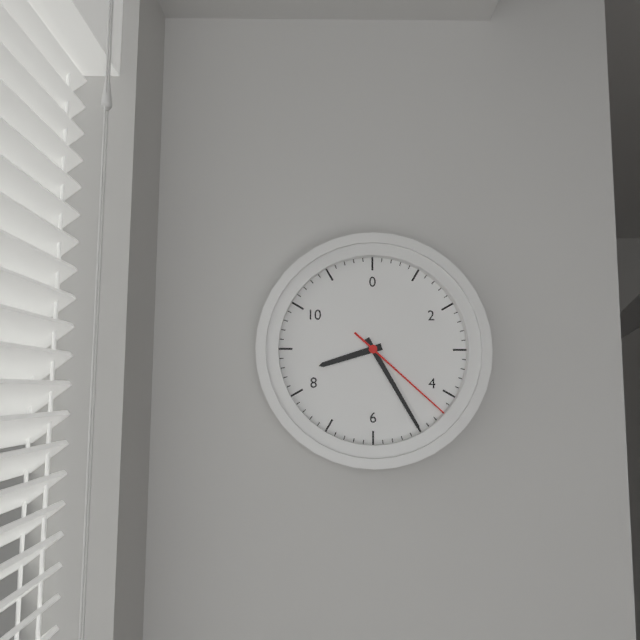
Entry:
8.25.22
